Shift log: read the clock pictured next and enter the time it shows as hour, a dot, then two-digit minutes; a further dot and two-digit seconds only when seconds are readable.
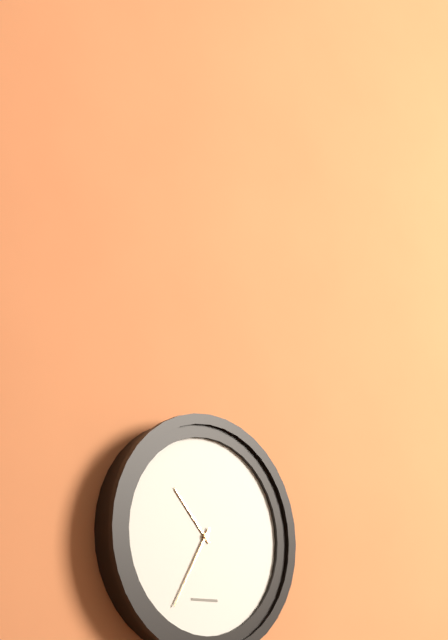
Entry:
10.35
